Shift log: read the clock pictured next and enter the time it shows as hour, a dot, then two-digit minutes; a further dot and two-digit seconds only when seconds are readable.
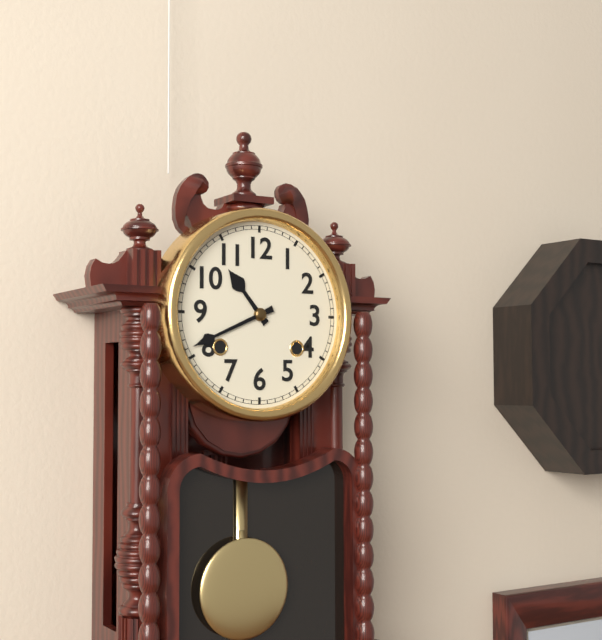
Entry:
10.41
